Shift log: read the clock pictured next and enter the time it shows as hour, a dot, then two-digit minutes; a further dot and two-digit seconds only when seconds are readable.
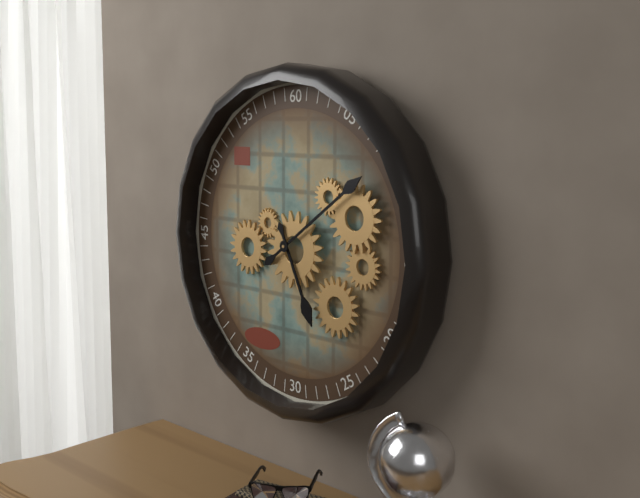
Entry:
5.09
